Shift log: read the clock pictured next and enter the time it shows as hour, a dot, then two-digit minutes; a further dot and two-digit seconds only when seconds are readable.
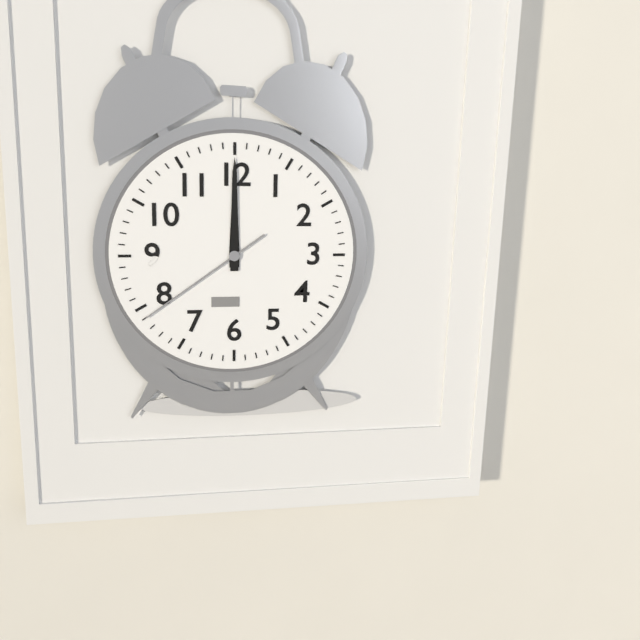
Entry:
12.00.39
